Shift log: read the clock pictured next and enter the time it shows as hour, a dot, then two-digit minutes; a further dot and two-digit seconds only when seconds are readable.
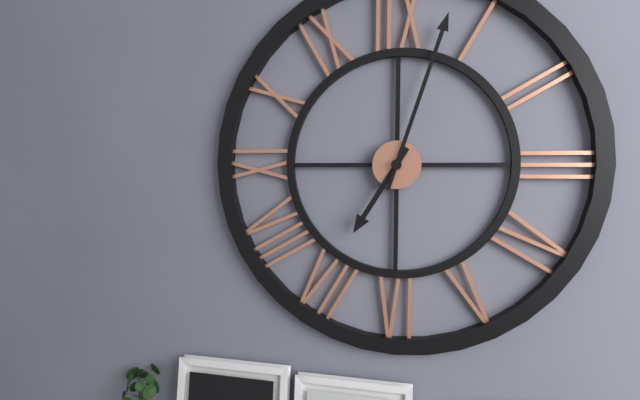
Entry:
7.03
